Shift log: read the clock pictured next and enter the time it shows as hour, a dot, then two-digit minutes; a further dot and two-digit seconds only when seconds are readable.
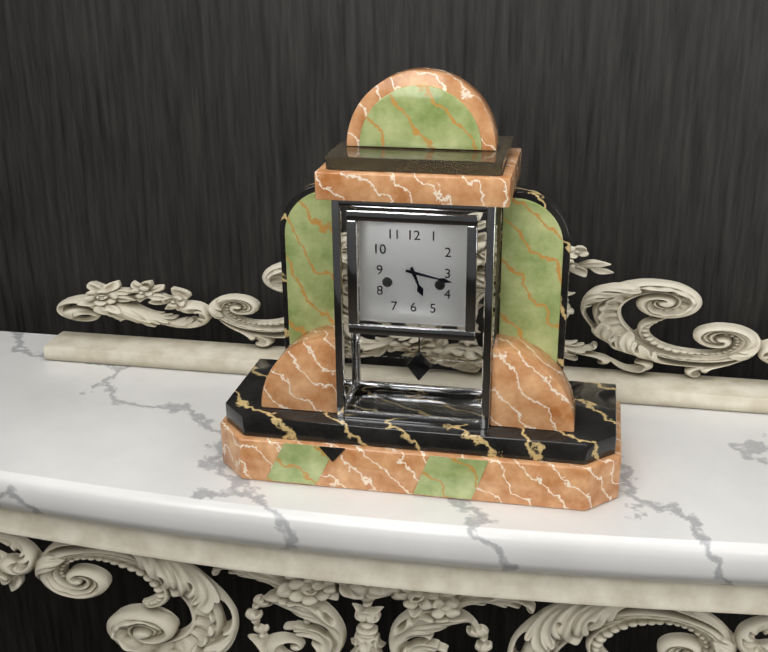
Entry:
5.17
